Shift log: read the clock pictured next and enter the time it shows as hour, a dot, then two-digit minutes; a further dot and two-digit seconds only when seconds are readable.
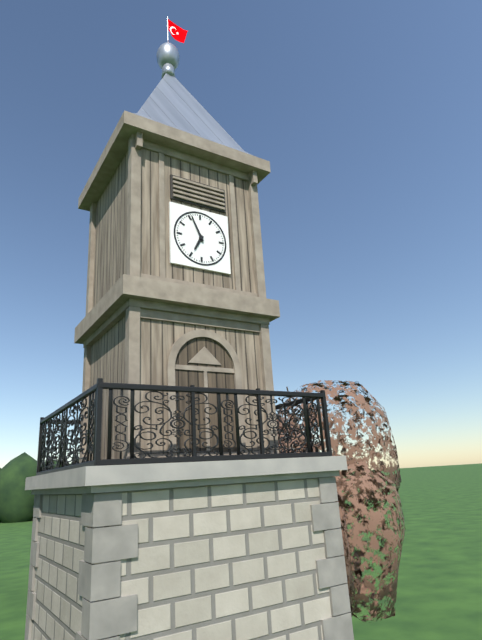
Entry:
6.56
